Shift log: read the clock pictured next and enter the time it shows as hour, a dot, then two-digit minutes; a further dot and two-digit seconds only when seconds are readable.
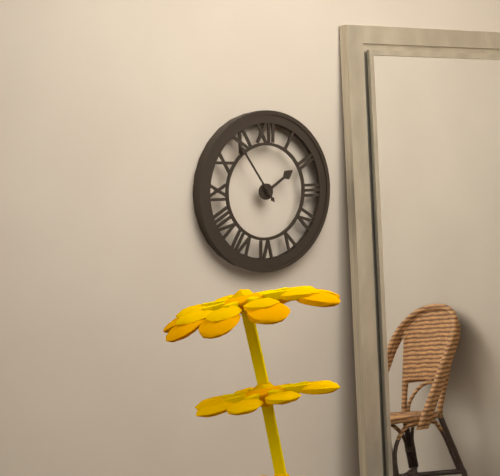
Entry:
1.54
